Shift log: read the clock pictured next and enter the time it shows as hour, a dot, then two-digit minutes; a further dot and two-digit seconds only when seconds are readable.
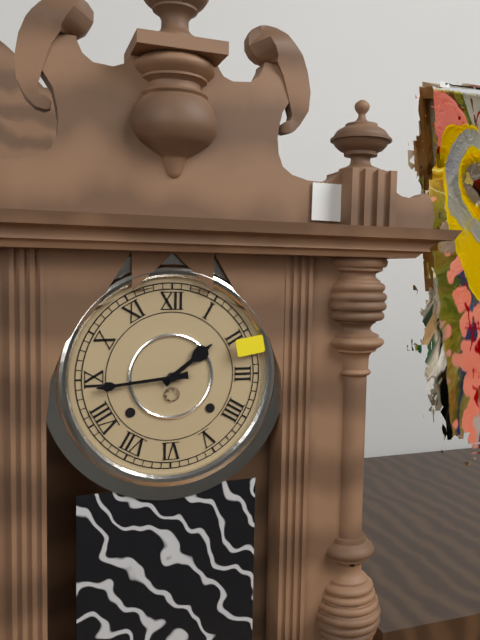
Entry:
1.44
